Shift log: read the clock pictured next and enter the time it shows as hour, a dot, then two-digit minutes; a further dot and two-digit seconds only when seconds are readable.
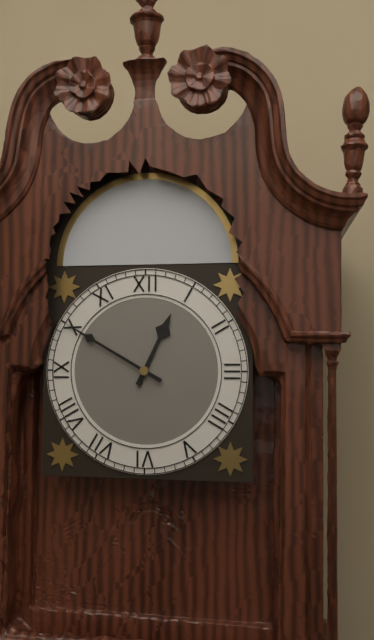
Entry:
12.50
